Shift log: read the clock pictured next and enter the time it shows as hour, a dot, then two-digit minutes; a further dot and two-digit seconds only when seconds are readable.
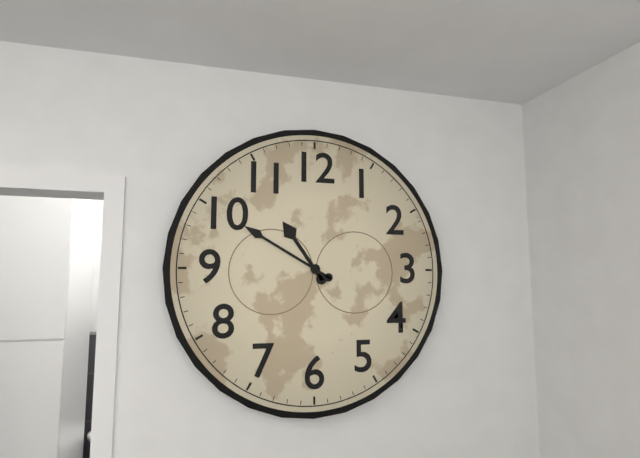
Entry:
10.50
